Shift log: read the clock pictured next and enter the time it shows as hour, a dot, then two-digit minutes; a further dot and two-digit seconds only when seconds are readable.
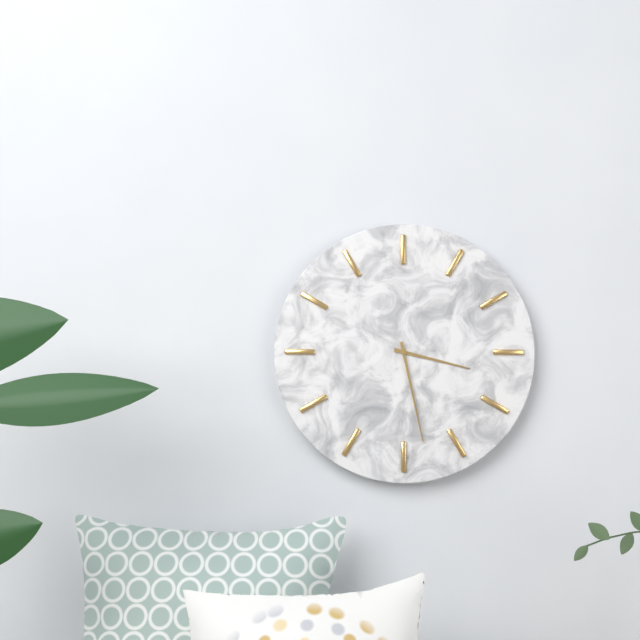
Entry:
3.28
